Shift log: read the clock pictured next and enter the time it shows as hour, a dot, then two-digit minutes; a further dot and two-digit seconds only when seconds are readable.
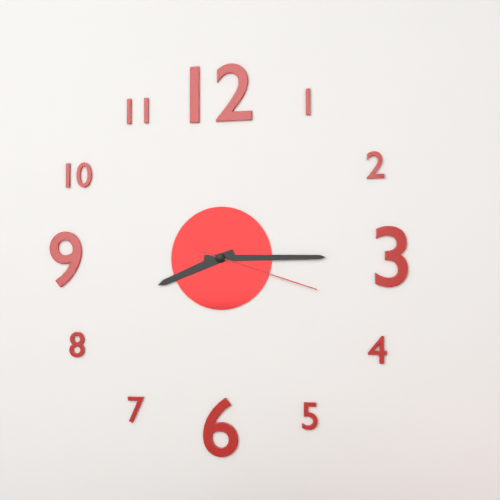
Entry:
8.15.18
